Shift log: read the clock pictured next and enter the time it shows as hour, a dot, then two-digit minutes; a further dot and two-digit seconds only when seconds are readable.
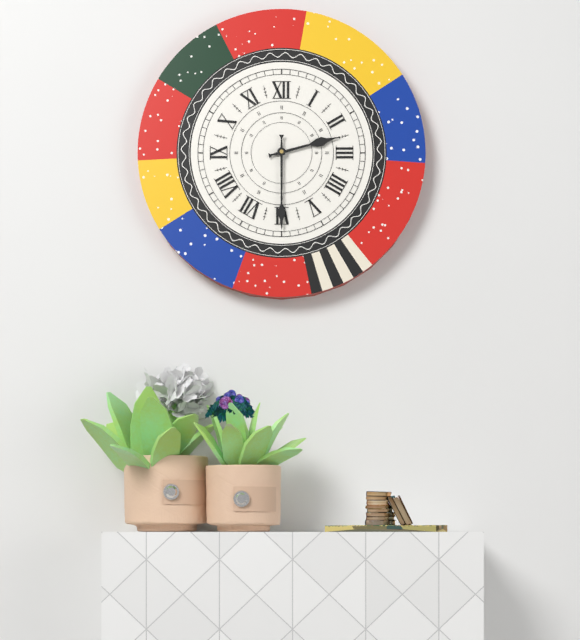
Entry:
2.30
